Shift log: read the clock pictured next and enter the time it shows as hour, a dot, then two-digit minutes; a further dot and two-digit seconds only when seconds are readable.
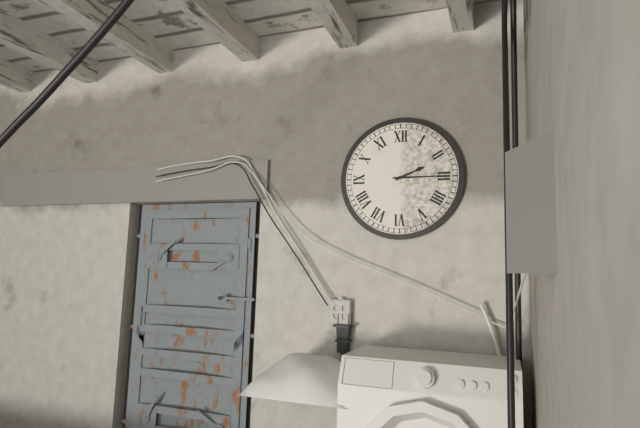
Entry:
2.15
